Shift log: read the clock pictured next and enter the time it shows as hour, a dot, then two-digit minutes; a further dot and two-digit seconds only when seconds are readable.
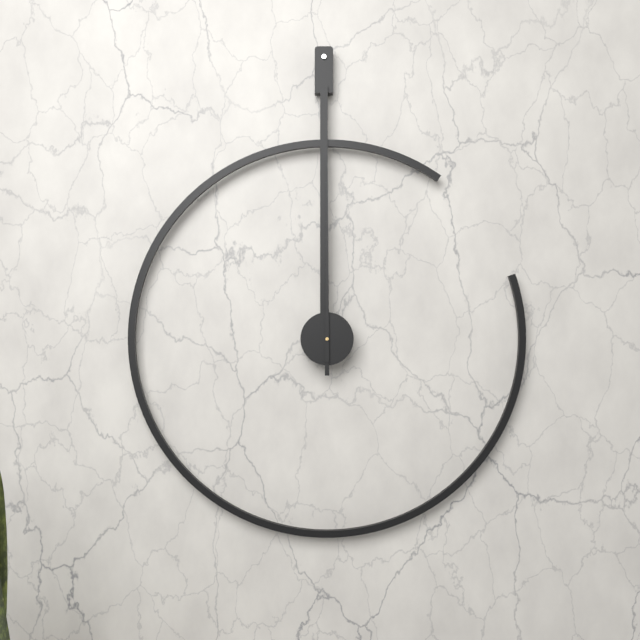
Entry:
12.00
